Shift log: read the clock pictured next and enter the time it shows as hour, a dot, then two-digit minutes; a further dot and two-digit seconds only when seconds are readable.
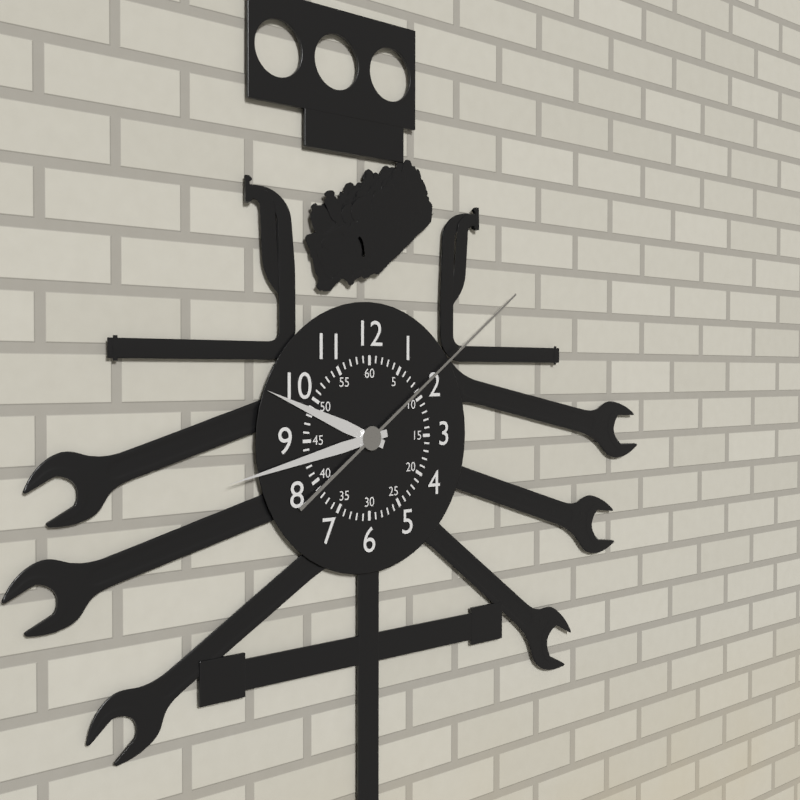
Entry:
9.43.09
